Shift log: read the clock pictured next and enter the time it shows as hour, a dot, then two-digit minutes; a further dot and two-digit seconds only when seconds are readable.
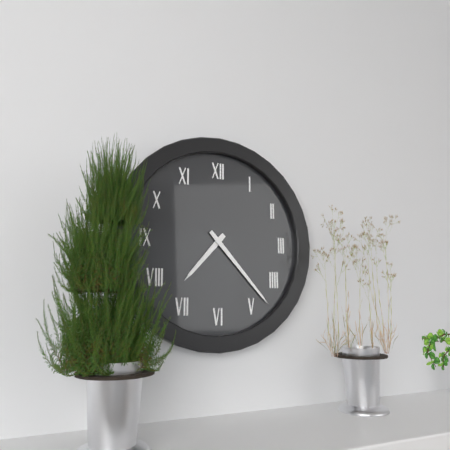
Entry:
7.23
